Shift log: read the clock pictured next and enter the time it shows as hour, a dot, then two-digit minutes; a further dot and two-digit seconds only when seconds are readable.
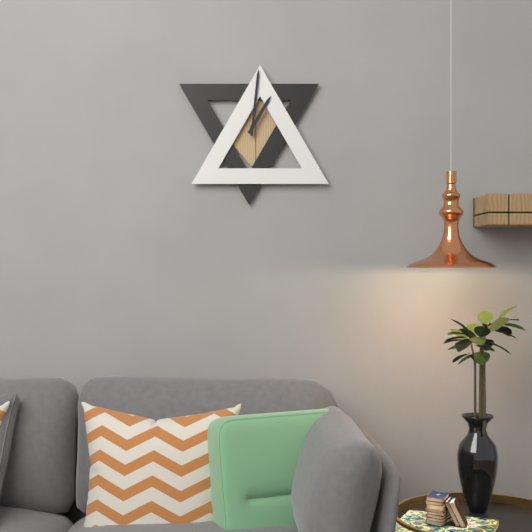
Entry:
1.01
